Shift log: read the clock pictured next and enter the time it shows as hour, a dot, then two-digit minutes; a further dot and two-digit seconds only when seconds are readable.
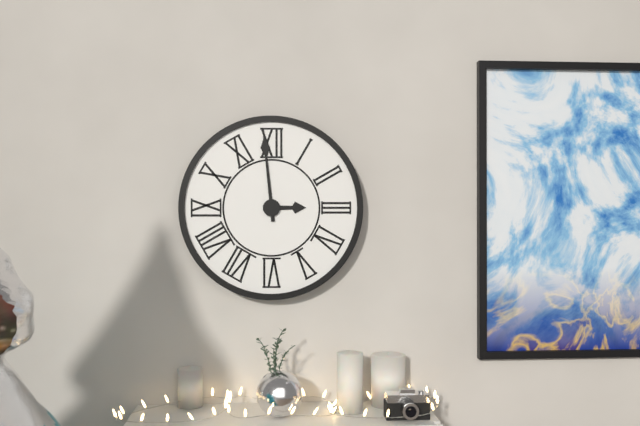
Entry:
2.59
